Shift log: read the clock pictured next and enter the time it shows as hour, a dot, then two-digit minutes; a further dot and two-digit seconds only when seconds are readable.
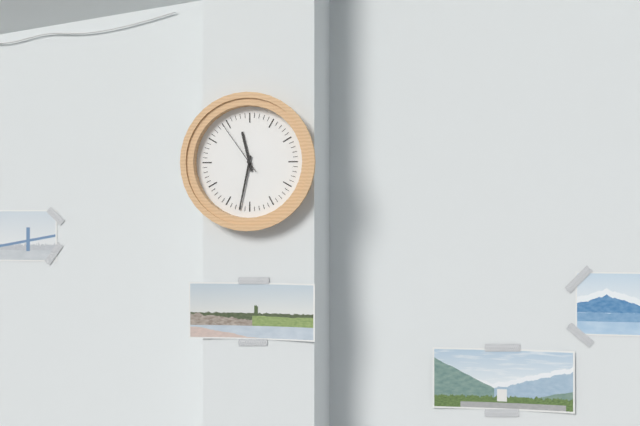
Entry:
11.32.54
